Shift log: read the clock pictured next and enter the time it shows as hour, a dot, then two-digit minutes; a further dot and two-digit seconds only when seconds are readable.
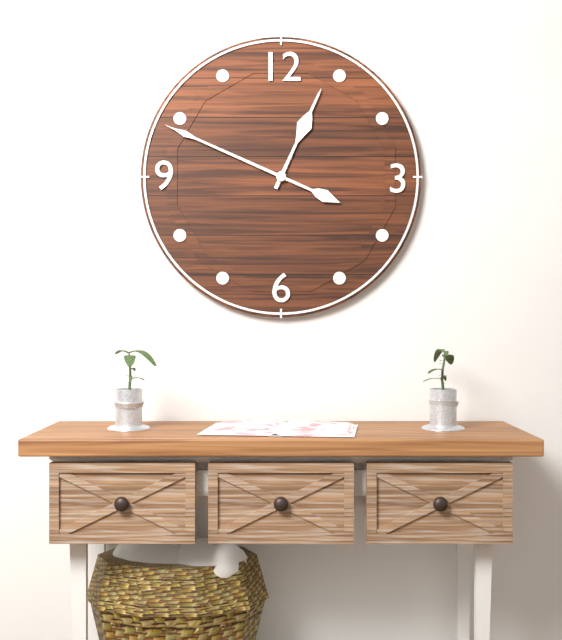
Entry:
12.49
